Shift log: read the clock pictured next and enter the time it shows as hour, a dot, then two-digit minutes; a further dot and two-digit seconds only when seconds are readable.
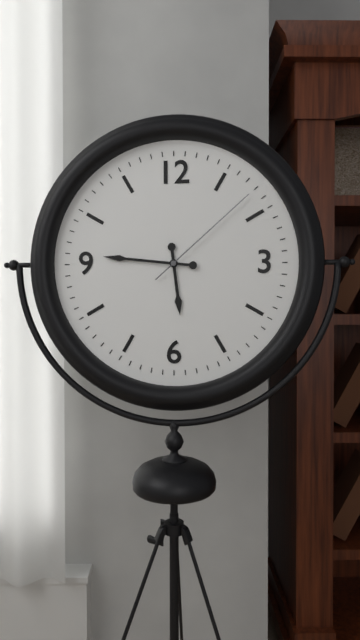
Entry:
5.46.08
